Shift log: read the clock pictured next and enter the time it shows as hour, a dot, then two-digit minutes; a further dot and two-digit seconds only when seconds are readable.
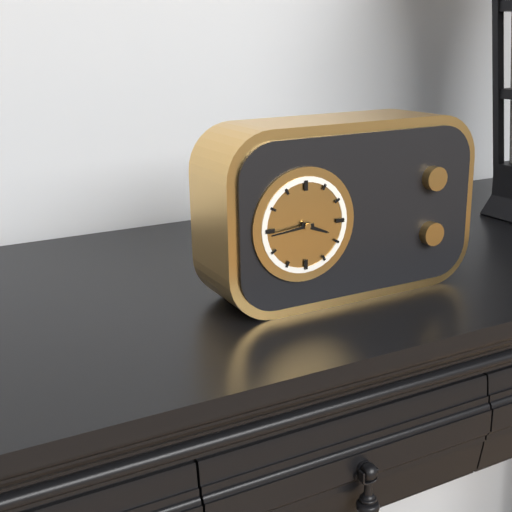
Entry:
3.44
